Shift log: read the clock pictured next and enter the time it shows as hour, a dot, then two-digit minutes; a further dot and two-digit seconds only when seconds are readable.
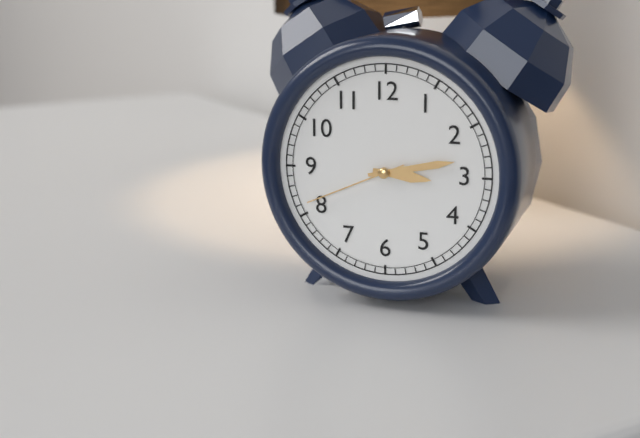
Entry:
3.13.41
